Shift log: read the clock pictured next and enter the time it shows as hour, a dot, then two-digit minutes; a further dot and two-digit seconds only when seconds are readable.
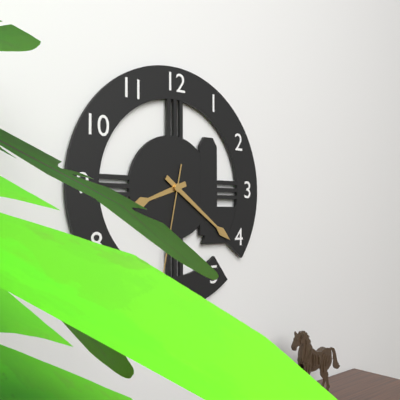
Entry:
8.21.32
